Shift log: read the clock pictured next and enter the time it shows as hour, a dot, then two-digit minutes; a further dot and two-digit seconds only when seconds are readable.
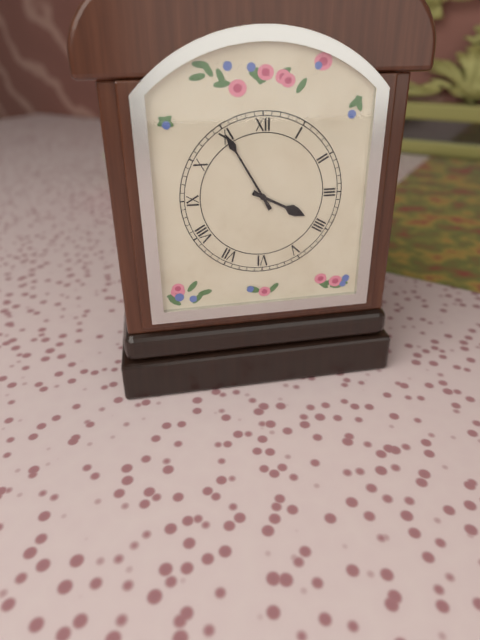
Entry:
3.55
